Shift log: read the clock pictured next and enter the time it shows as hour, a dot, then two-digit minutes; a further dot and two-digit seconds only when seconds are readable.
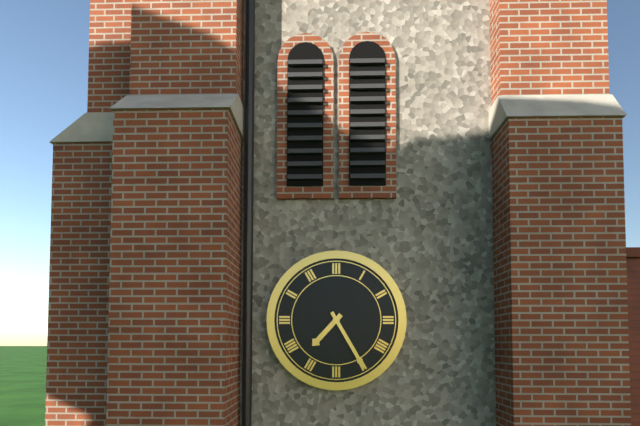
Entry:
7.25
